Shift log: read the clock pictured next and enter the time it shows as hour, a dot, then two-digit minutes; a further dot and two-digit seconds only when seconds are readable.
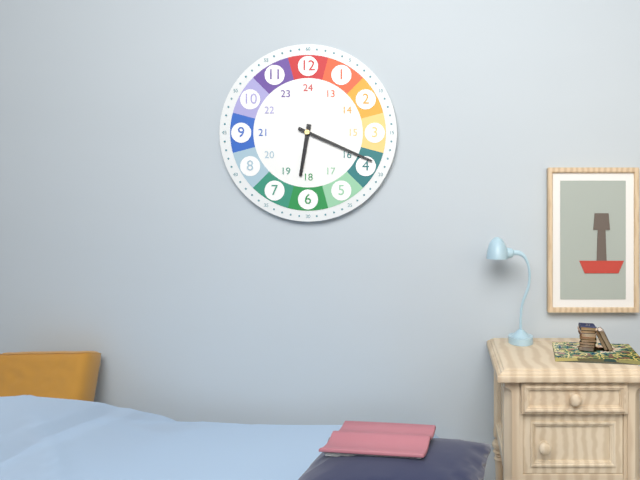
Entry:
6.19
